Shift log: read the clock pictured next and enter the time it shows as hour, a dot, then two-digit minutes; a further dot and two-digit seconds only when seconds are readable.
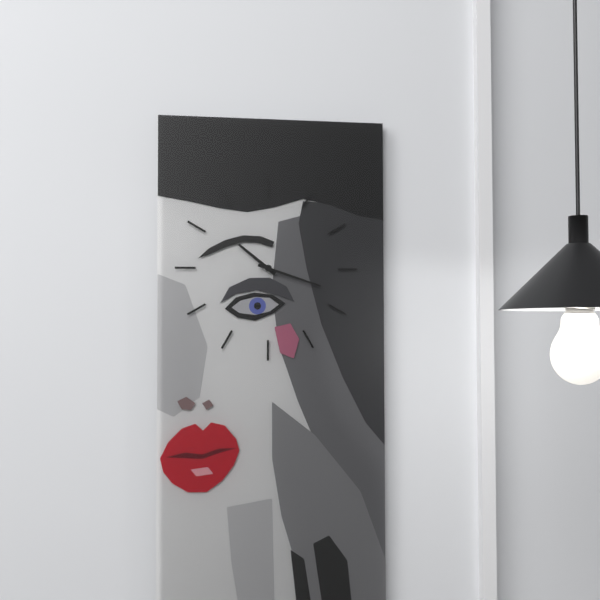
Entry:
10.18
